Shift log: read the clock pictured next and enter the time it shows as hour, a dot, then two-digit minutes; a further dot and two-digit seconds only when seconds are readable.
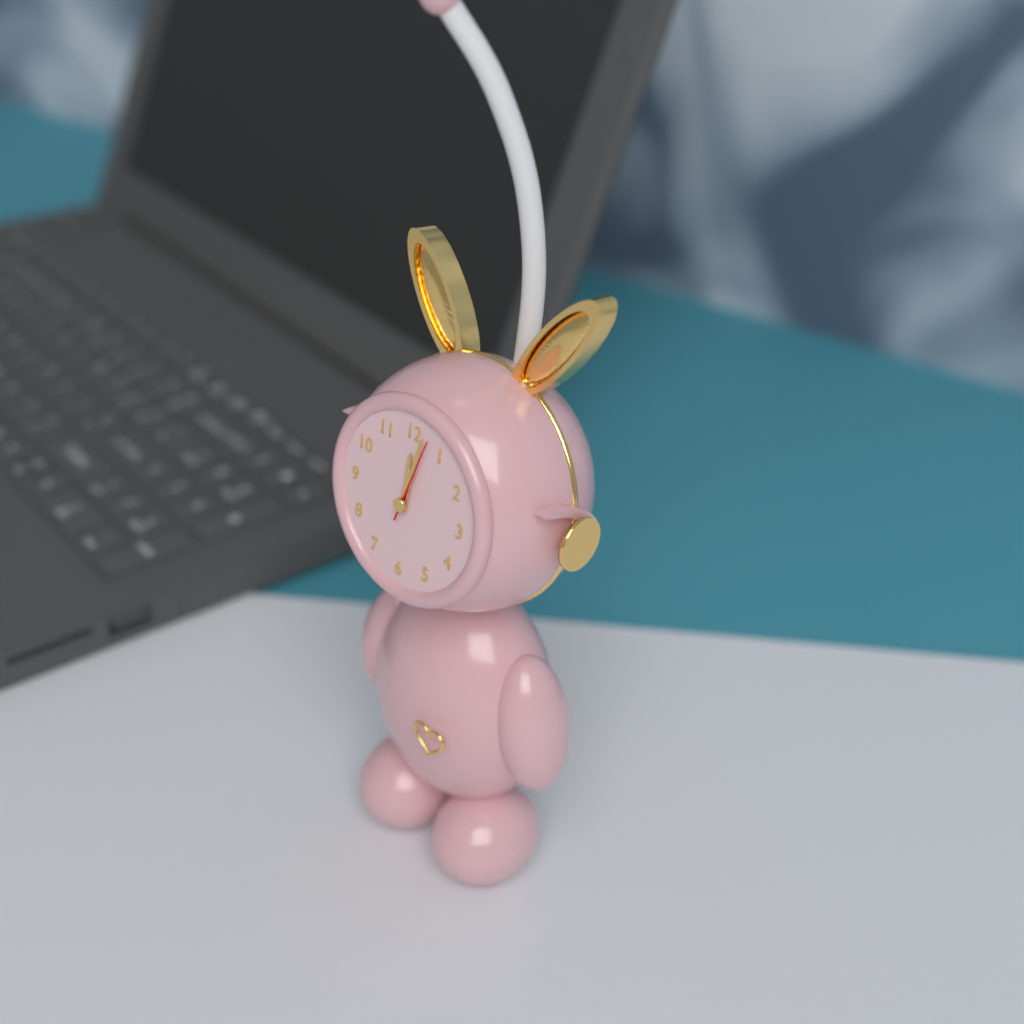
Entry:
12.02.03
